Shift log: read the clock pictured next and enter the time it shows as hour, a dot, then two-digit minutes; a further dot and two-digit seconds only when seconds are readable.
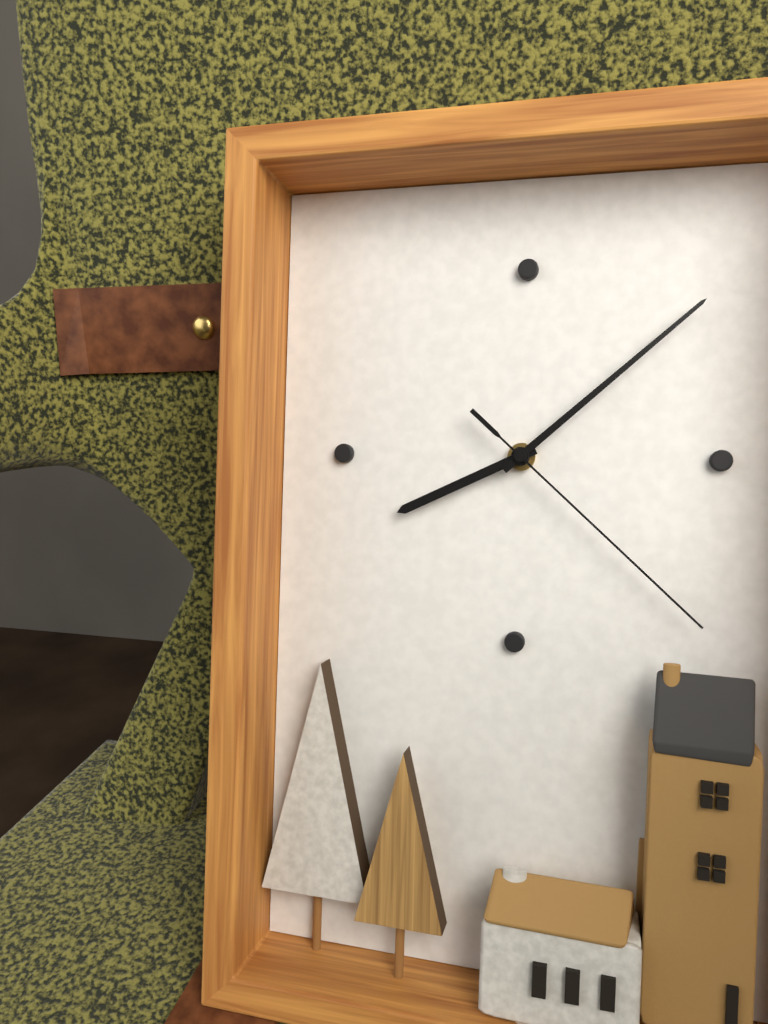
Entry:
8.08.22
